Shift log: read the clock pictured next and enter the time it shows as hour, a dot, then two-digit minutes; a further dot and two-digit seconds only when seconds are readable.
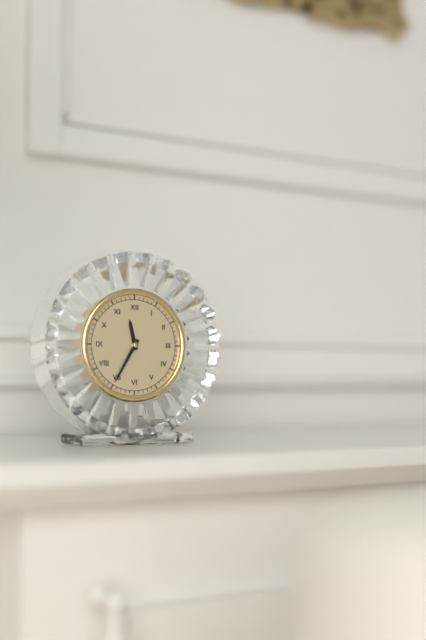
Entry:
11.35
